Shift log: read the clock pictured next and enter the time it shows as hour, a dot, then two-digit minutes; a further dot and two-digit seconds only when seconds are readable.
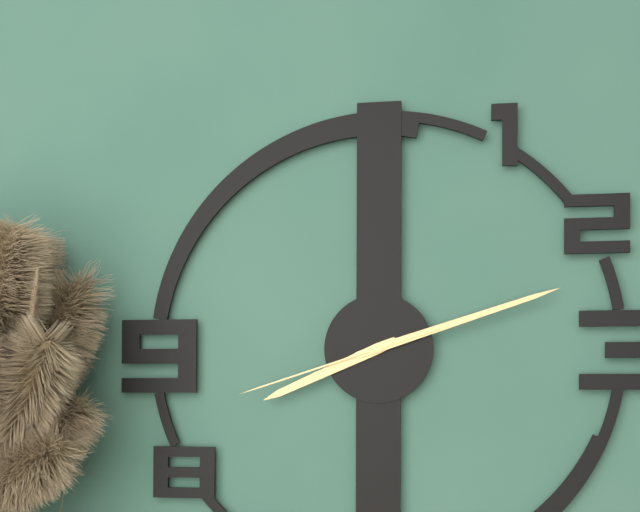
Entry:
8.12.42
